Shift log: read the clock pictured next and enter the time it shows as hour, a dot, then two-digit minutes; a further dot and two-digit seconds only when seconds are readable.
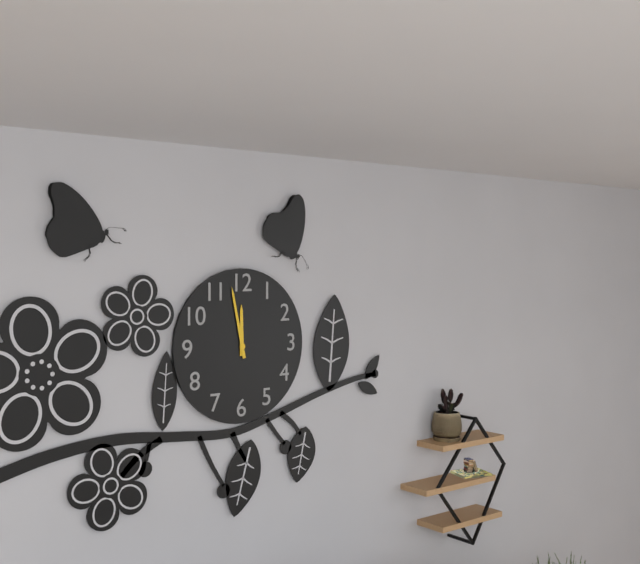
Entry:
11.58
